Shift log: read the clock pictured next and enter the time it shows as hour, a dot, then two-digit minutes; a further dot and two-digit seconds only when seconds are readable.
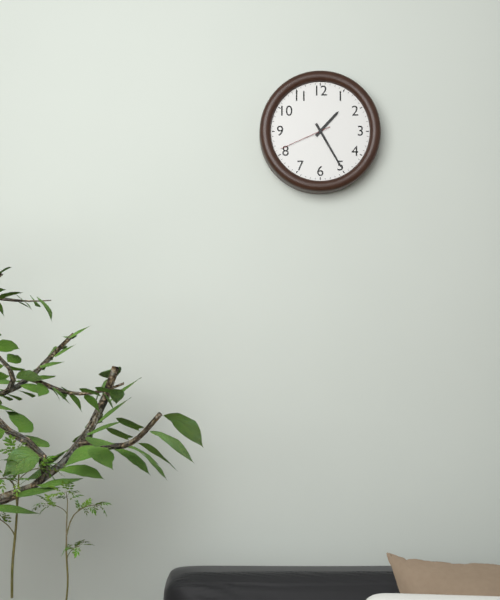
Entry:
1.25.41
